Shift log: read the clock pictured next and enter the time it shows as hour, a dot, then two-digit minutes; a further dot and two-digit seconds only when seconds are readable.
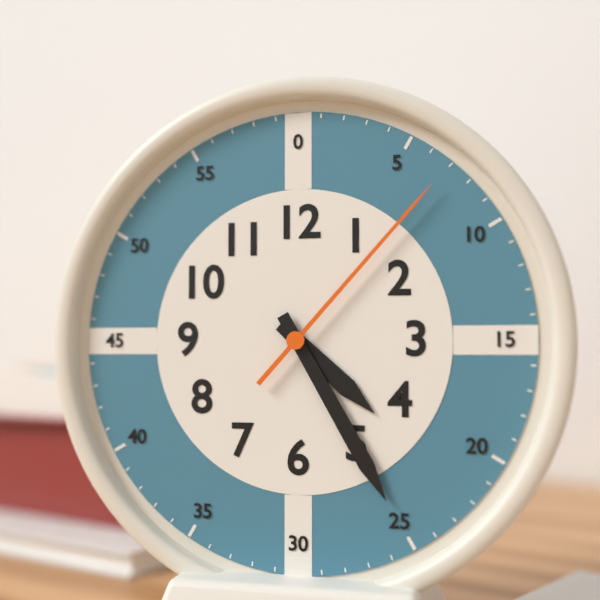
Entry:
4.25.07
